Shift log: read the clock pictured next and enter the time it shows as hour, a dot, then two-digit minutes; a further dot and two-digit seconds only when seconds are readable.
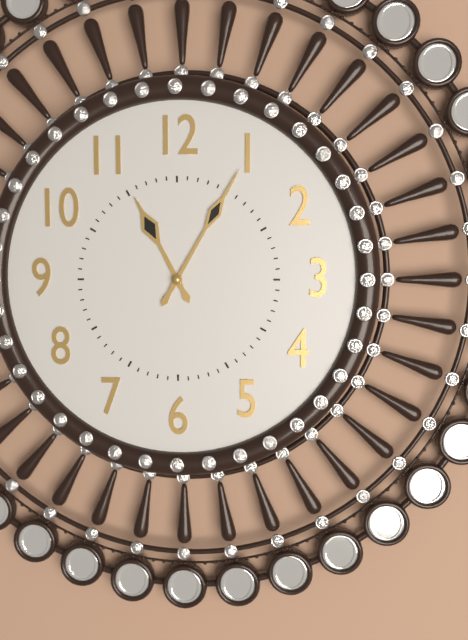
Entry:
11.05
